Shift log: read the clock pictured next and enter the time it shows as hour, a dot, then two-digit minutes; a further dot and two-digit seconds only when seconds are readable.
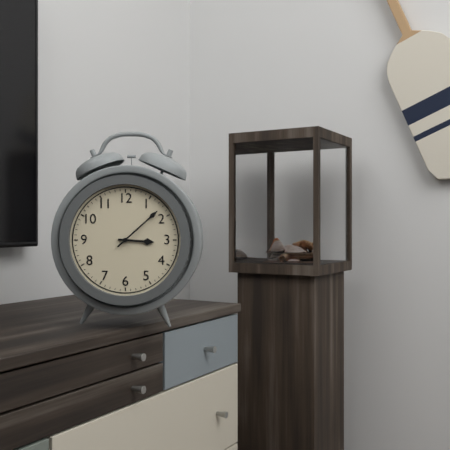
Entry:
3.08
